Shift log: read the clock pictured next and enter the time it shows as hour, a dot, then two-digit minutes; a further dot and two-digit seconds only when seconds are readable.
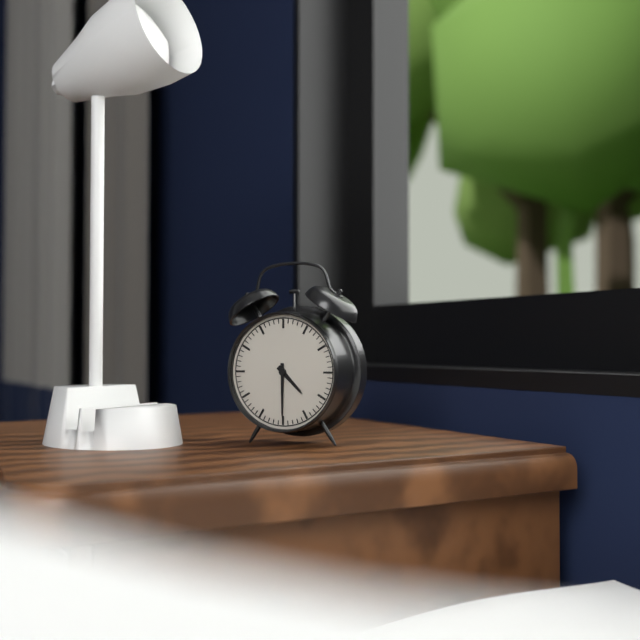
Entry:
4.30
